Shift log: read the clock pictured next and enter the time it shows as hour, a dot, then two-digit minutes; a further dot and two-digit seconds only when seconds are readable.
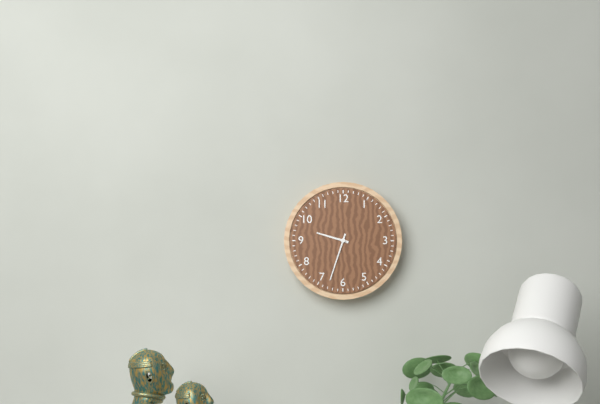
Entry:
9.33
